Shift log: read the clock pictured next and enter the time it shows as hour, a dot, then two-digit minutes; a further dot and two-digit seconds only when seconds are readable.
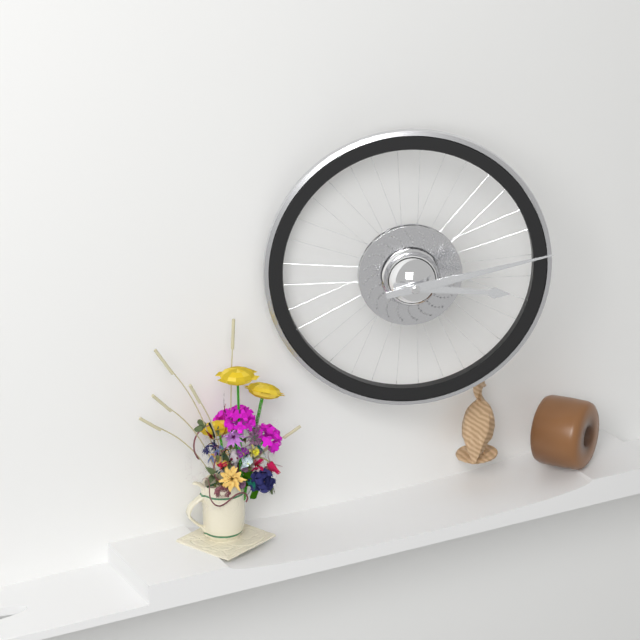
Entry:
3.13
